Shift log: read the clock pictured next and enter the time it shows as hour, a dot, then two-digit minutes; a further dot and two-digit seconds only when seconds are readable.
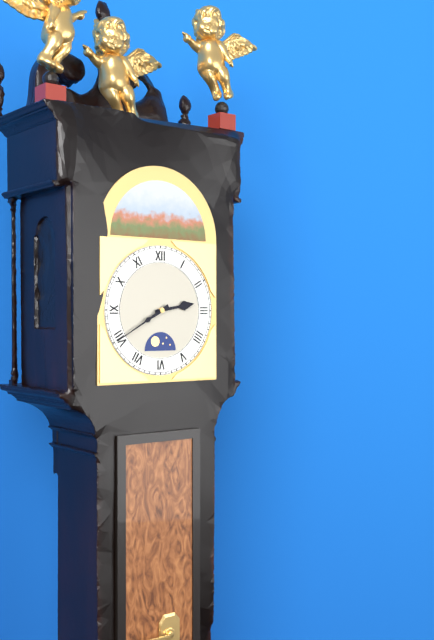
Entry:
2.40
